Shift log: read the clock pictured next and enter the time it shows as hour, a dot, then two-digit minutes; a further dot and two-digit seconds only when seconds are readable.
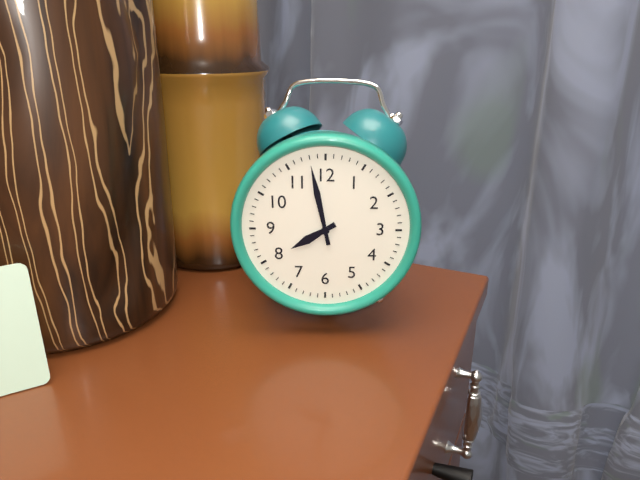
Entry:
7.58
